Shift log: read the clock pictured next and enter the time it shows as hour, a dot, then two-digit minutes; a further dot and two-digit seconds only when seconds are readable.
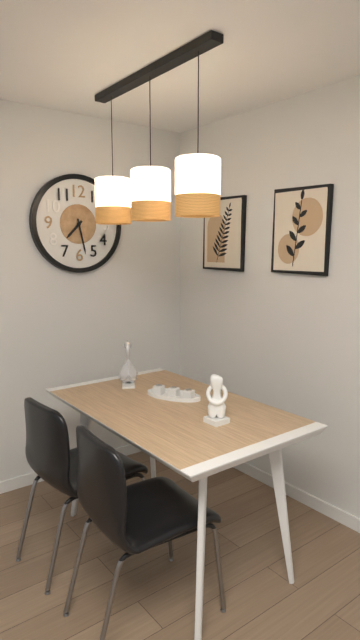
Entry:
7.28
